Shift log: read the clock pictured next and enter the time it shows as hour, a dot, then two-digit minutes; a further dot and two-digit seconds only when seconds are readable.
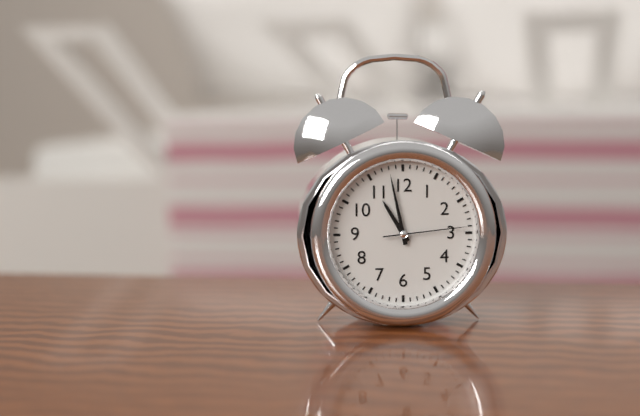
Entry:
10.58.14
